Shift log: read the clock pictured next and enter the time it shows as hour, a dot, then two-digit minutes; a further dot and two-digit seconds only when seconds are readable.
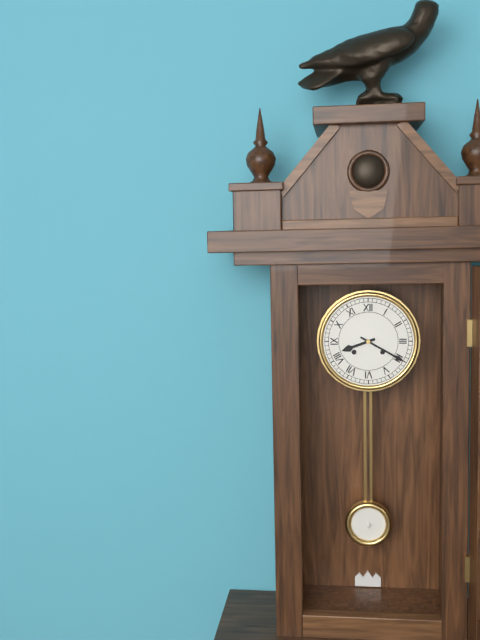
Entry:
8.20
